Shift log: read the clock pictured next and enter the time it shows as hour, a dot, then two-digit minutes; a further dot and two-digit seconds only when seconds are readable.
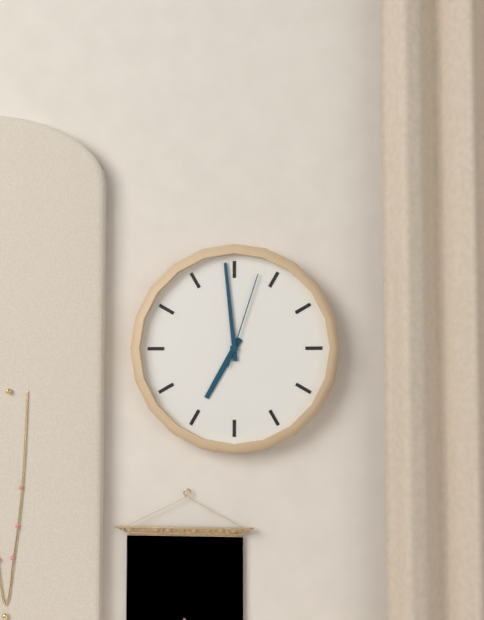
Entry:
6.59.03
